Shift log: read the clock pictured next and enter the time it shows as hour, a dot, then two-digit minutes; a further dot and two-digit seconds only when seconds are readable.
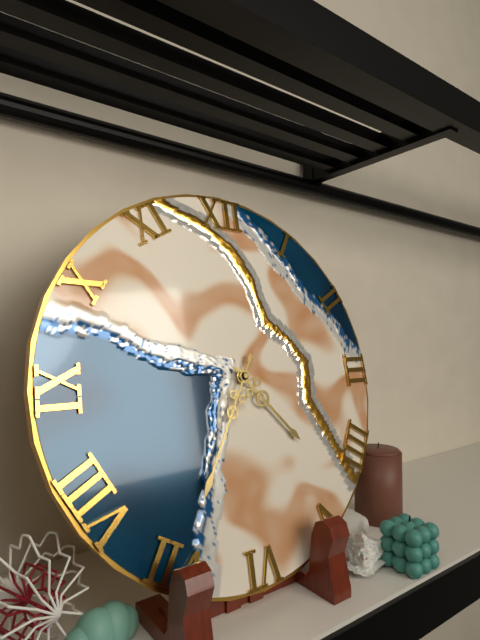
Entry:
4.35
